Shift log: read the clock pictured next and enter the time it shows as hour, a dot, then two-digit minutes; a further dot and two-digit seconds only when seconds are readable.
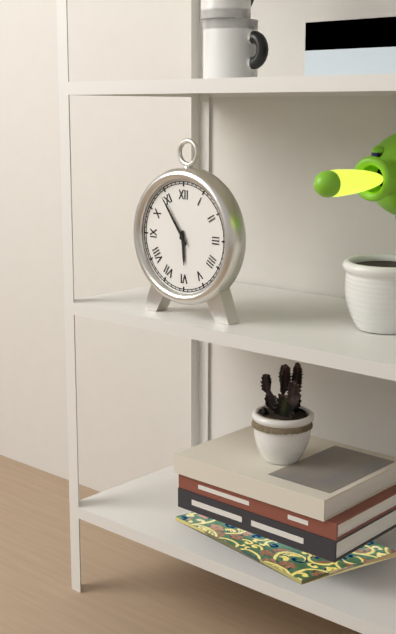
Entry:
5.54
